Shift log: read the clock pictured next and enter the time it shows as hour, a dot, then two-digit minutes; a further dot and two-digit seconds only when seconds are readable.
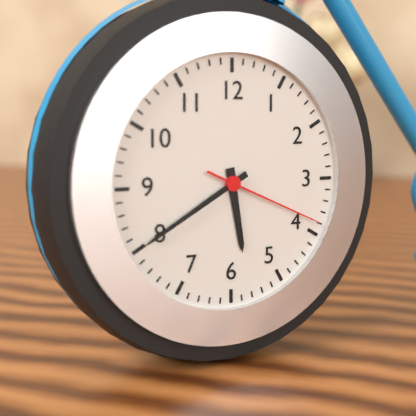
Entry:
5.40.19
